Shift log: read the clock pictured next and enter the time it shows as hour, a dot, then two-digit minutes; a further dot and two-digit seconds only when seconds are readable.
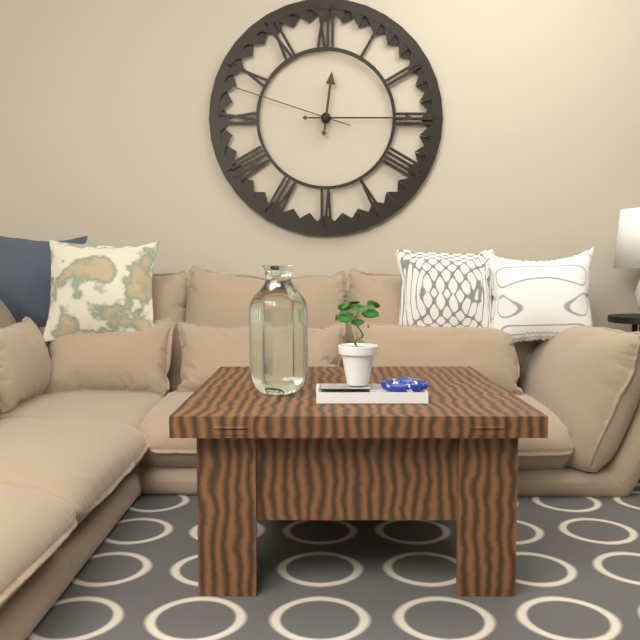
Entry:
12.15.48
